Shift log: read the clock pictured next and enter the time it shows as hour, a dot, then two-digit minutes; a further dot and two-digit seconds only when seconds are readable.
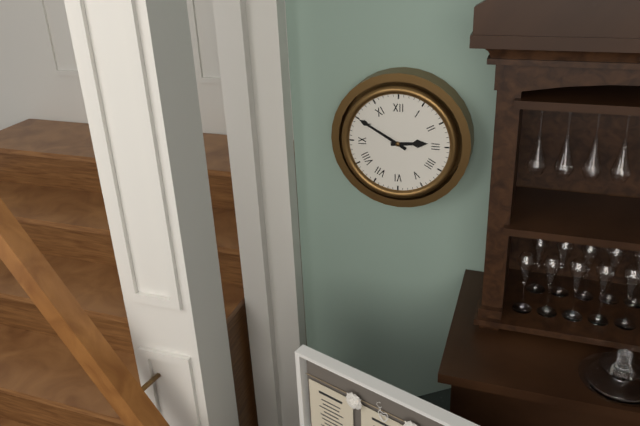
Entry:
2.50
